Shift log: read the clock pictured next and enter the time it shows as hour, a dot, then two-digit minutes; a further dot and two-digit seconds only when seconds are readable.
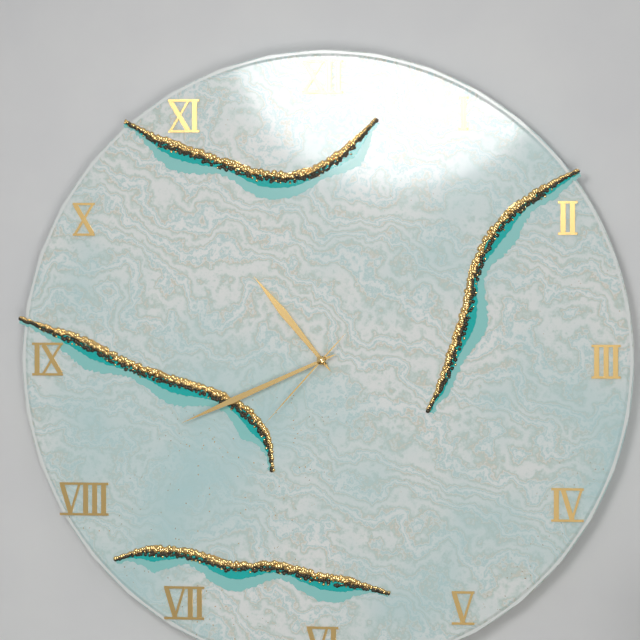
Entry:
10.41.37
